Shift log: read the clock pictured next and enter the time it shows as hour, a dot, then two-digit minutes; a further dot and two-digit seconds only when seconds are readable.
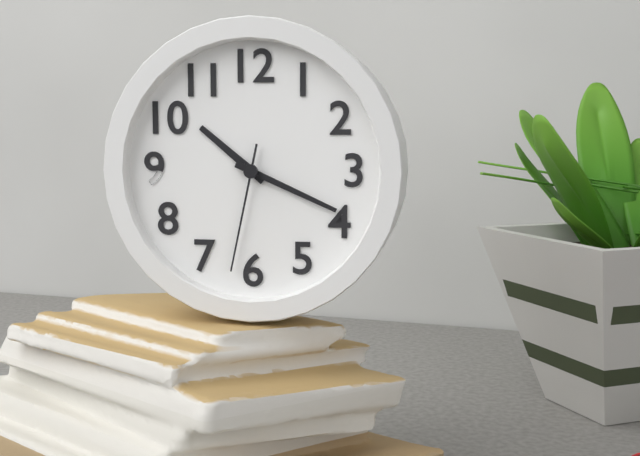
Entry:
10.19.32
